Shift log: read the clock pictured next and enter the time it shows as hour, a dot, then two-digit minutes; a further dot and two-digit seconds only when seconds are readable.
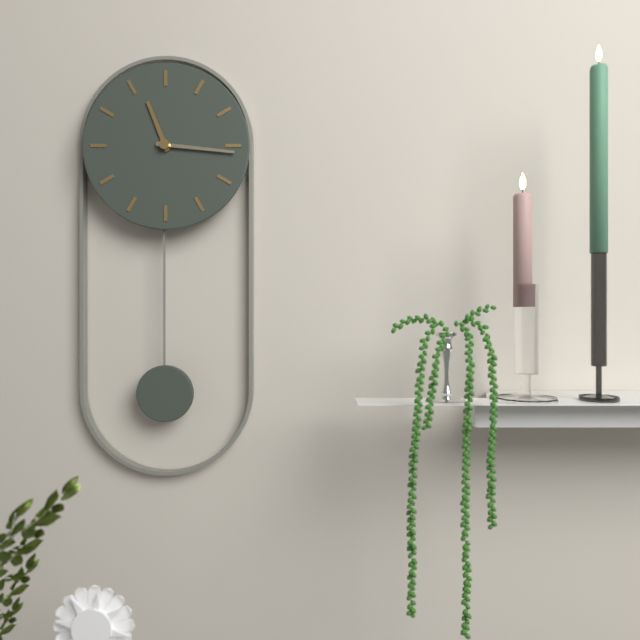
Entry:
11.16
